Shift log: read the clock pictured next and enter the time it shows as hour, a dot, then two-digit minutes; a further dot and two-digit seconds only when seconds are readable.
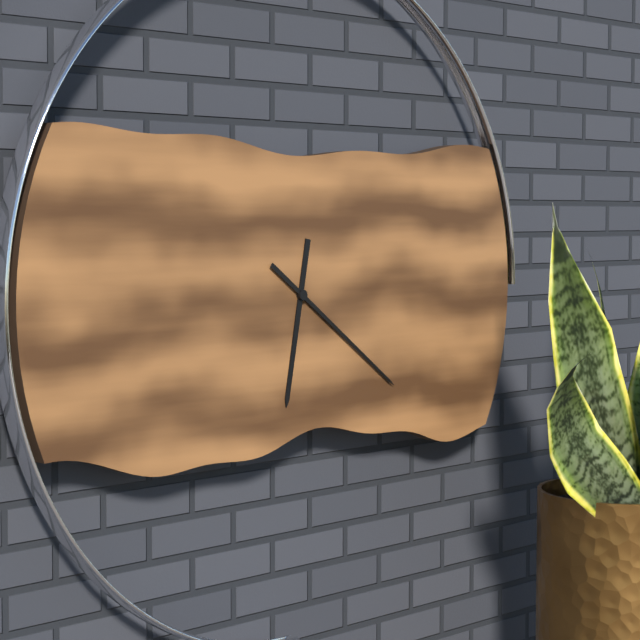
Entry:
6.21
